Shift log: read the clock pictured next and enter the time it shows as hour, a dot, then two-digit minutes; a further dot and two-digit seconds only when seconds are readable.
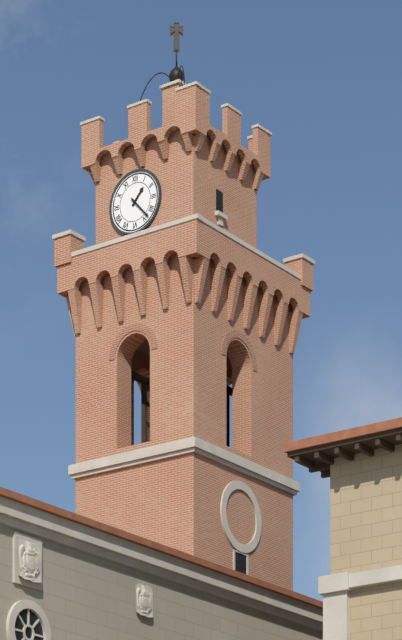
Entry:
1.23
